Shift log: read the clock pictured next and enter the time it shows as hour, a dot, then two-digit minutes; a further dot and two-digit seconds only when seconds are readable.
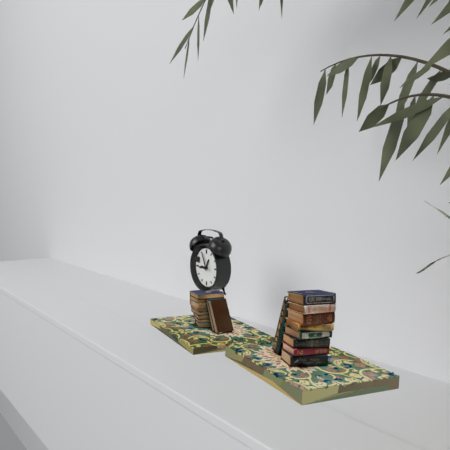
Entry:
12.56
